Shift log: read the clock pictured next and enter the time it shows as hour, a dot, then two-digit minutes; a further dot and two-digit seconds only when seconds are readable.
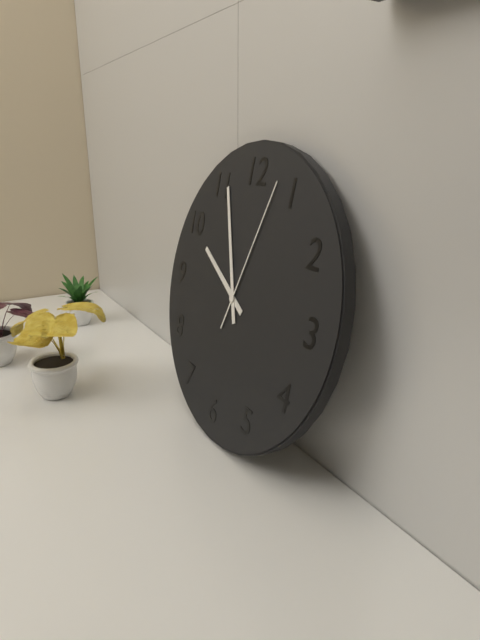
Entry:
9.56.03
